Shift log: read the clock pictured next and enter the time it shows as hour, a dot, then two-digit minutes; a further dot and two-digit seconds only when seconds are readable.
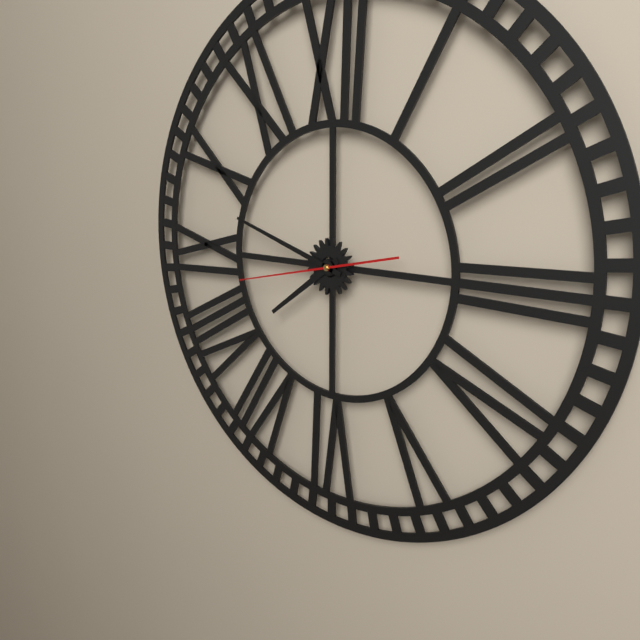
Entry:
7.48.43
